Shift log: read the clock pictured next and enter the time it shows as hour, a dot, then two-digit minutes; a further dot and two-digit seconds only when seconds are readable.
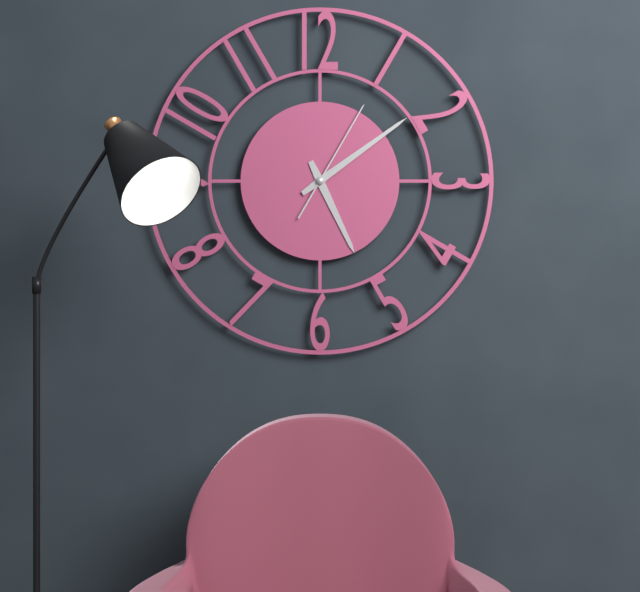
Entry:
5.09.05
